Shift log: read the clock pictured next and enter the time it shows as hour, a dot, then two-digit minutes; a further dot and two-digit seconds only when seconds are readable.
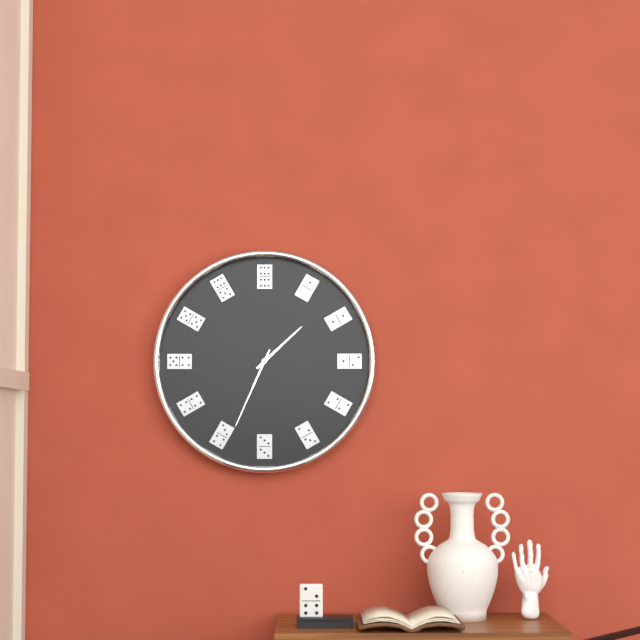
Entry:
1.34
